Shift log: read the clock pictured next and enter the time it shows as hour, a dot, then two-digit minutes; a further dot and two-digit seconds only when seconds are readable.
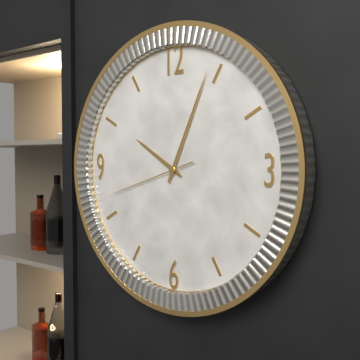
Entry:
10.04.42
